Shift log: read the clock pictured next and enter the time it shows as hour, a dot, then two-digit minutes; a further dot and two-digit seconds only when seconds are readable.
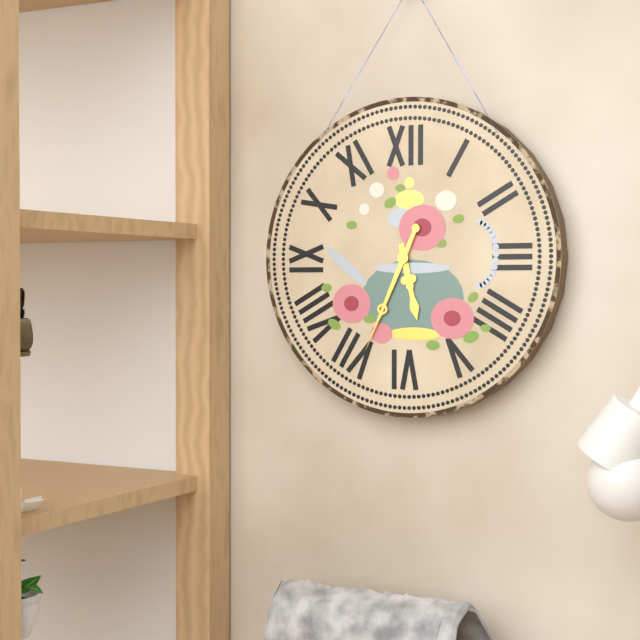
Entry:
5.34
